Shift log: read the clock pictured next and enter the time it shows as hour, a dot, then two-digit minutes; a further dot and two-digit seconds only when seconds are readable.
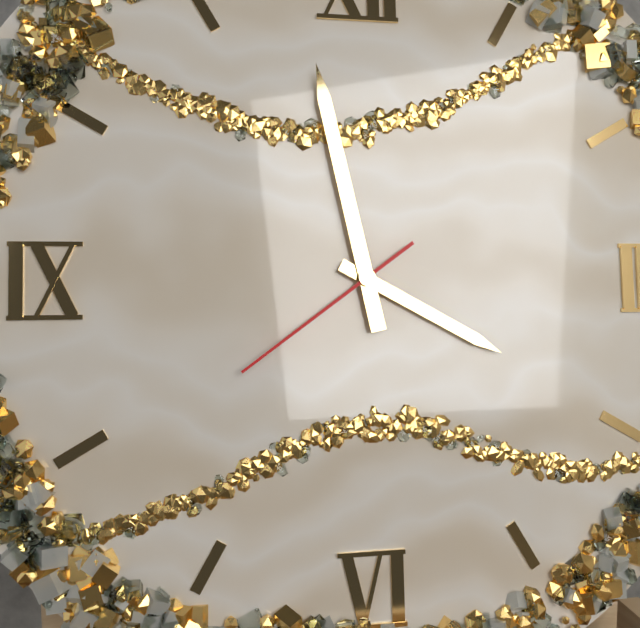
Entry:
3.58.39
